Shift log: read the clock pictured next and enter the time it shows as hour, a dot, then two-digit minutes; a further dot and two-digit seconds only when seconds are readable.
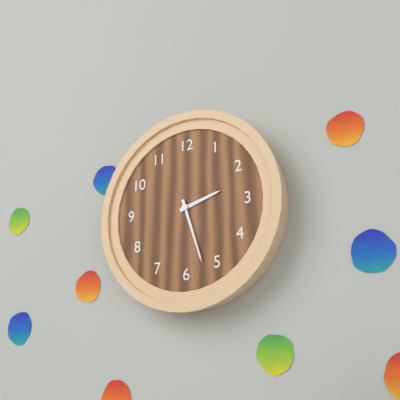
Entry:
2.27
